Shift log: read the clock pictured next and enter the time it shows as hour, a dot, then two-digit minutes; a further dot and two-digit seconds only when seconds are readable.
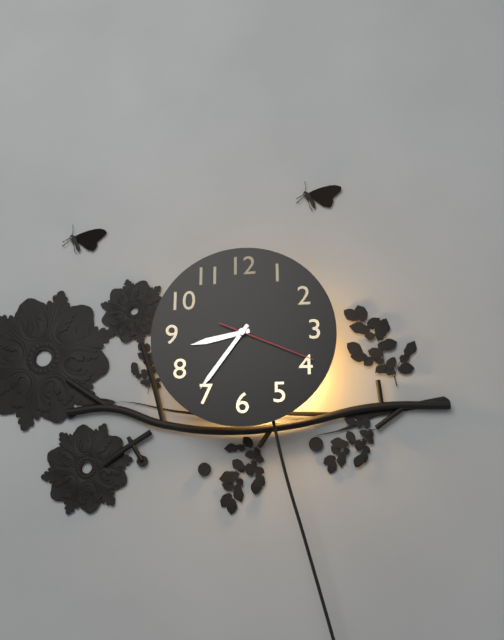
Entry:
8.36.19
